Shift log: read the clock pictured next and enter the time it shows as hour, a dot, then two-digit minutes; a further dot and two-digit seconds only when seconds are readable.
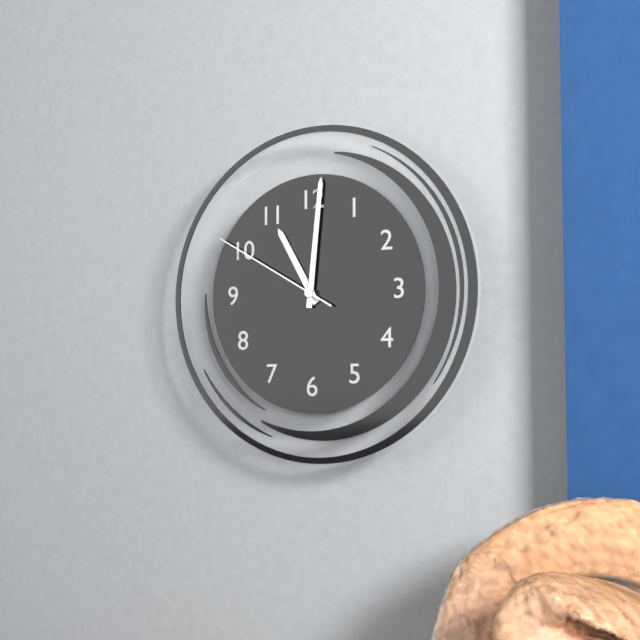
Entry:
11.01.50
